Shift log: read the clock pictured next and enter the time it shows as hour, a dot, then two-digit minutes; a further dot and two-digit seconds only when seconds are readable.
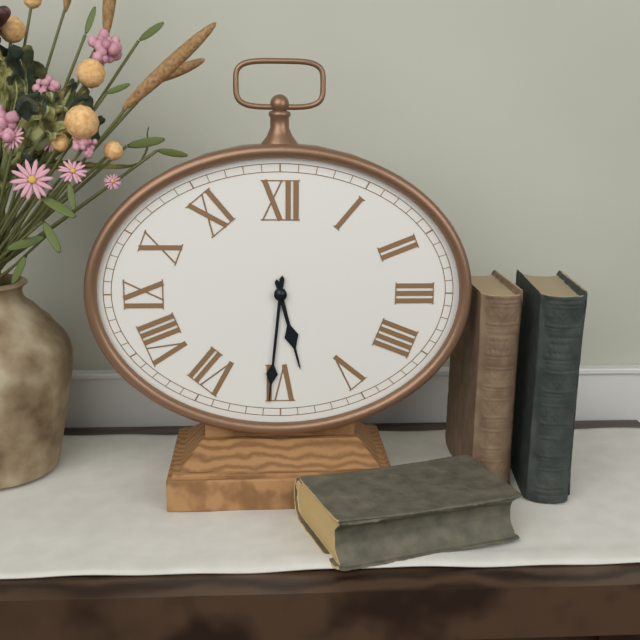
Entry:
5.31
